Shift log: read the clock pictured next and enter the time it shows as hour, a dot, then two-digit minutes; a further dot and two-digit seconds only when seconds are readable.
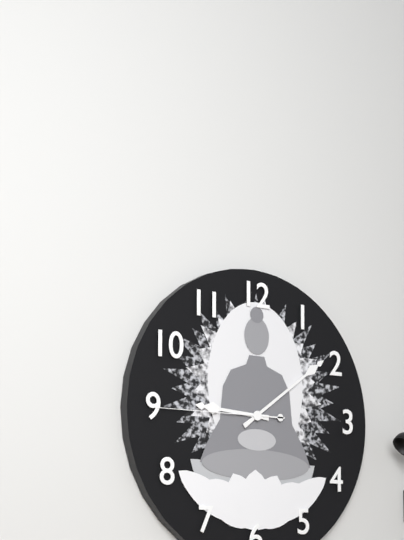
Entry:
9.09.45
